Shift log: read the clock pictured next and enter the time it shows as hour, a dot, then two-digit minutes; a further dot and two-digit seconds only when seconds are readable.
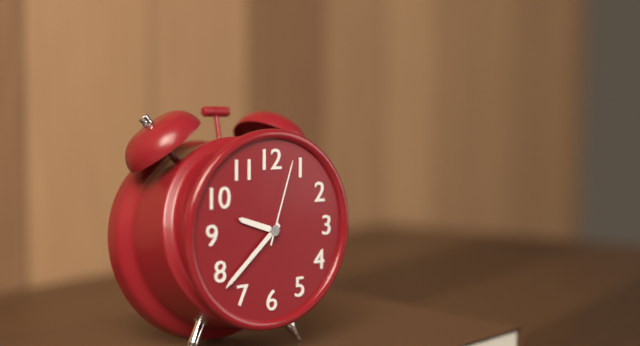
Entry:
9.38.03
